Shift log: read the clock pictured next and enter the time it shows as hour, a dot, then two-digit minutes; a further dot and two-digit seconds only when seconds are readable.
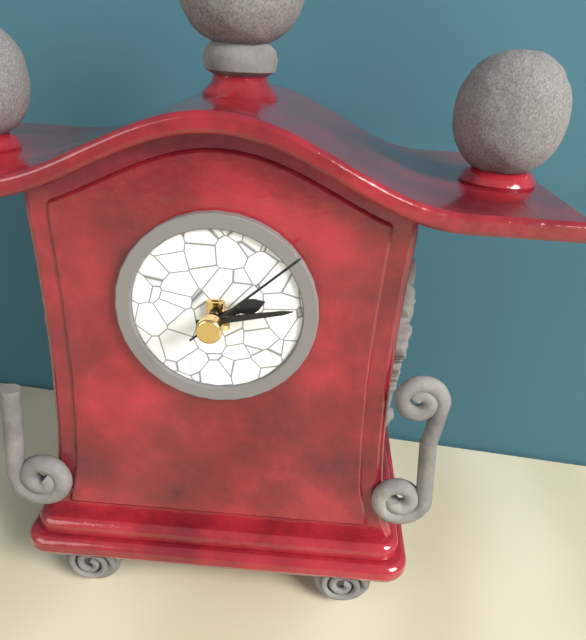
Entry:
2.13.08
